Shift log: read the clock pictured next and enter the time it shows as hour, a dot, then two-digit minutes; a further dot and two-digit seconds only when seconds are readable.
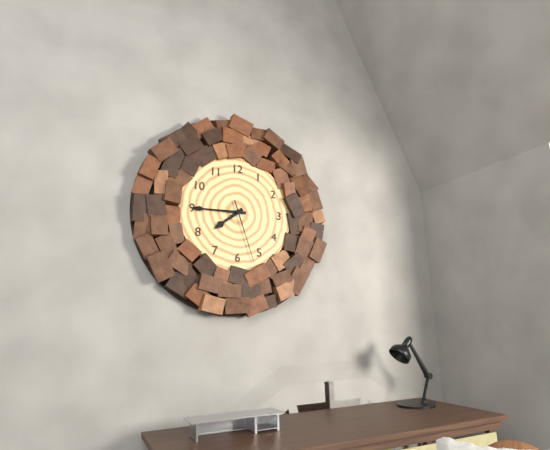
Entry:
7.45.27
